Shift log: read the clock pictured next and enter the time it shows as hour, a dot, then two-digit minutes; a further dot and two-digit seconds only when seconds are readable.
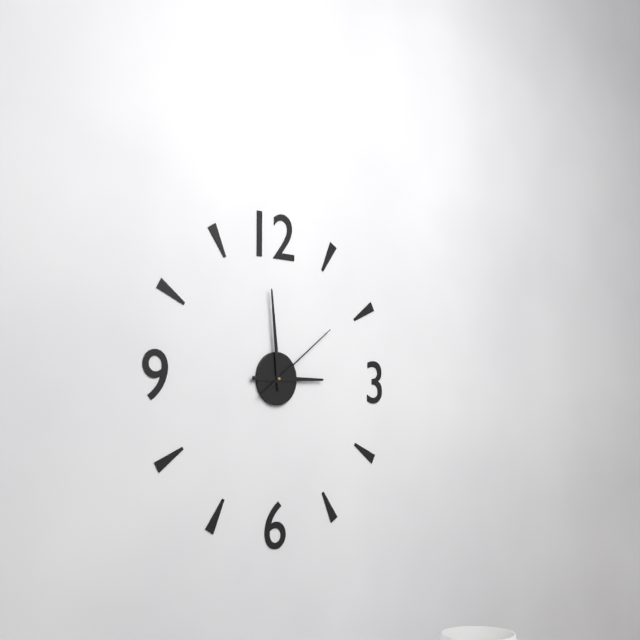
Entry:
2.59.09
